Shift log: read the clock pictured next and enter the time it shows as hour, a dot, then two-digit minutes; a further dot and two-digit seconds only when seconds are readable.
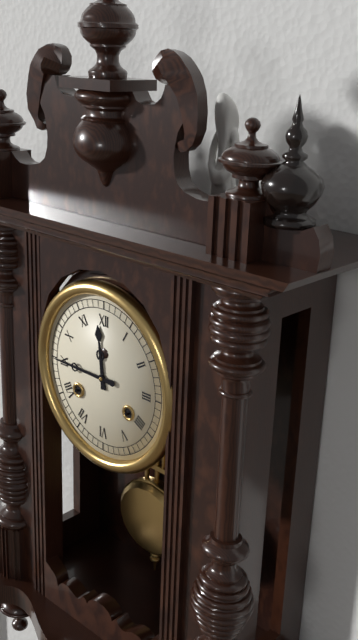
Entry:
11.45
